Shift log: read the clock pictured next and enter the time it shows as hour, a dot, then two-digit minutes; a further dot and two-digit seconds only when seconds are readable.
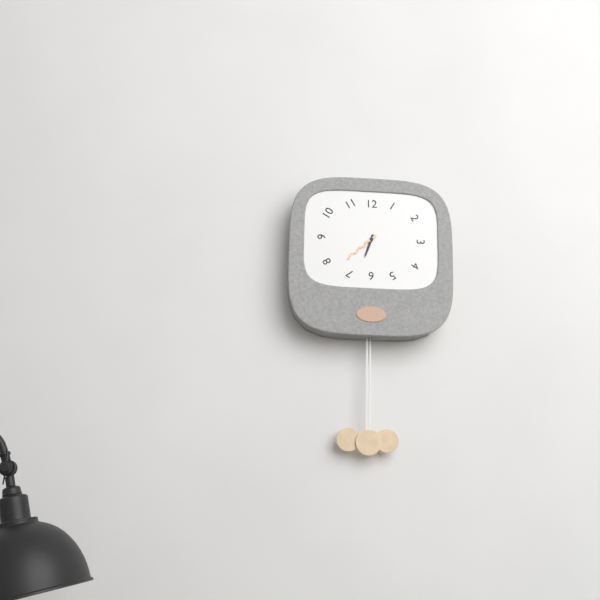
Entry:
6.38
